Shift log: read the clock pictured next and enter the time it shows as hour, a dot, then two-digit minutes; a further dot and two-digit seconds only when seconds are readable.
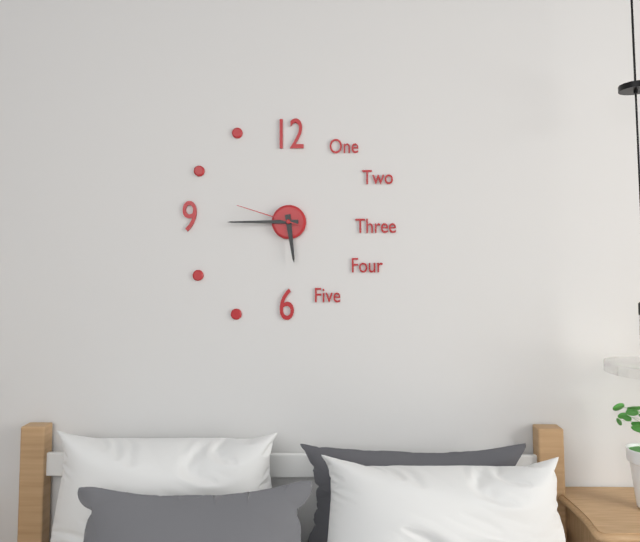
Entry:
5.45.48
